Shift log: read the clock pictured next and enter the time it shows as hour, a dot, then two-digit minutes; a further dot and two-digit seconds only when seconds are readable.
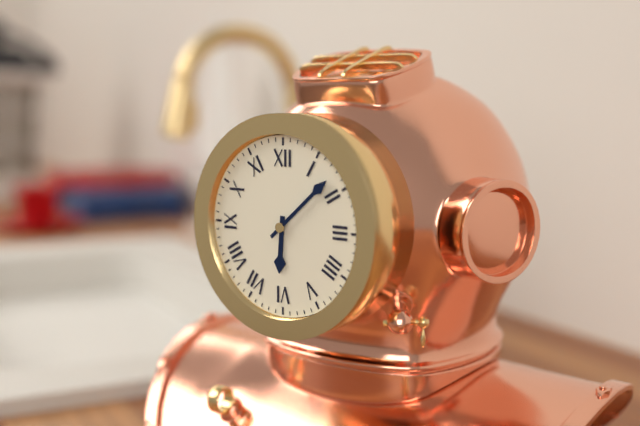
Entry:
6.08
